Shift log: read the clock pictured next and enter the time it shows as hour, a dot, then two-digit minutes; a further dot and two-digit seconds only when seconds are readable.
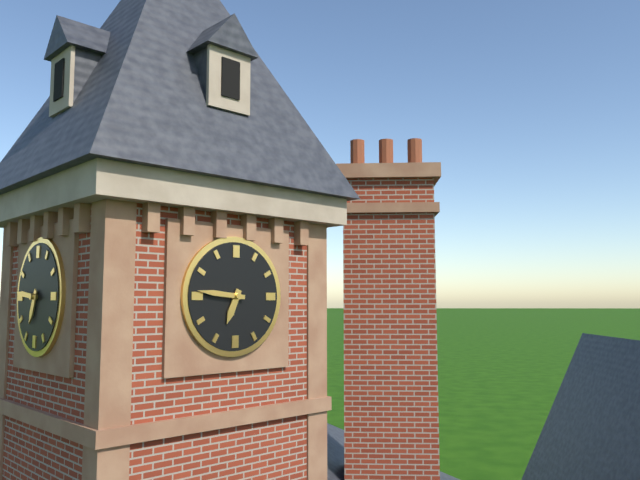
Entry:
6.46
